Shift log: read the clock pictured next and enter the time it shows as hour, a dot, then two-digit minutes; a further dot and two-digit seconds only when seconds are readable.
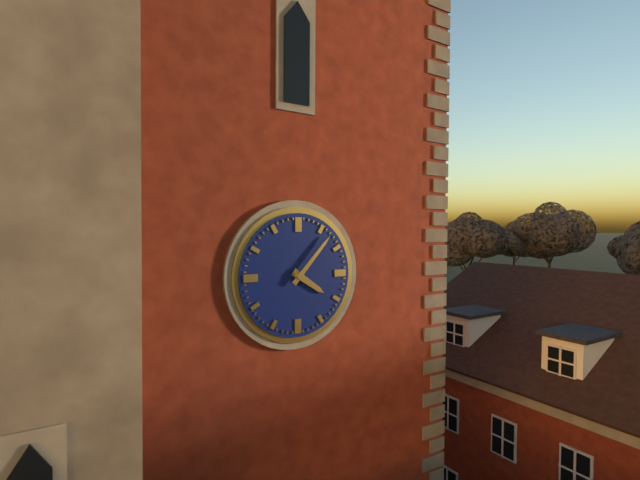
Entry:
4.07
